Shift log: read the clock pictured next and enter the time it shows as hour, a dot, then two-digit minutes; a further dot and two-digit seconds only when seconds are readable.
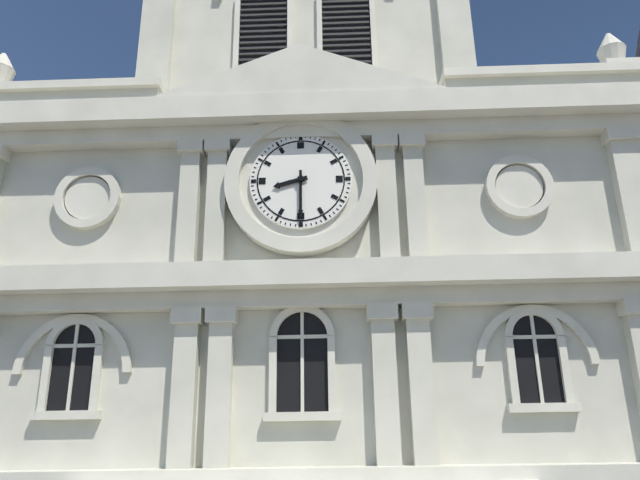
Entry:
8.30
